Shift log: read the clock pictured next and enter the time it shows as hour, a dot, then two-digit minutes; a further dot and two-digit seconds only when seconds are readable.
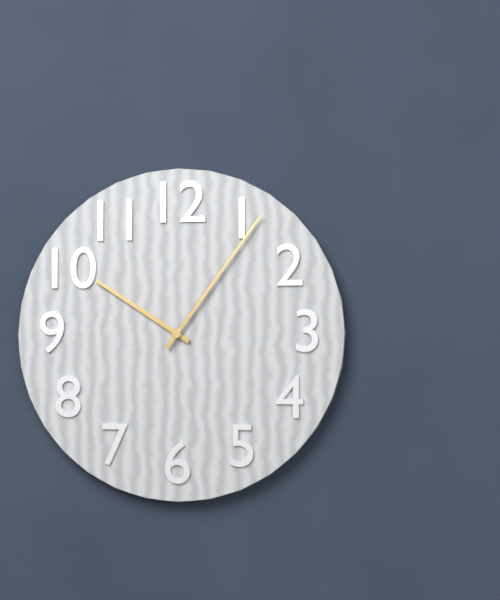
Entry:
10.06
